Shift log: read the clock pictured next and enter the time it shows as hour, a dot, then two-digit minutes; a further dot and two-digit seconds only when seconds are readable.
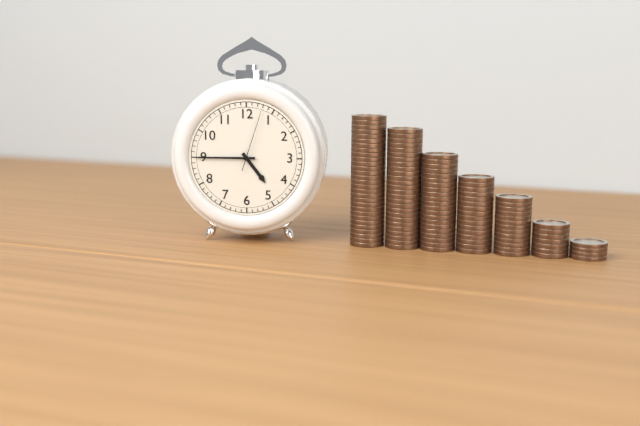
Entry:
4.45.03
